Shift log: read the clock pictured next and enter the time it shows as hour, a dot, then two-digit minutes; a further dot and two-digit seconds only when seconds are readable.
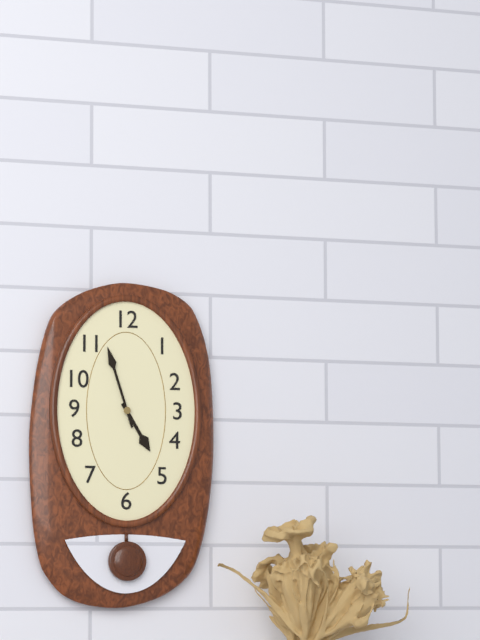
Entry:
4.57
